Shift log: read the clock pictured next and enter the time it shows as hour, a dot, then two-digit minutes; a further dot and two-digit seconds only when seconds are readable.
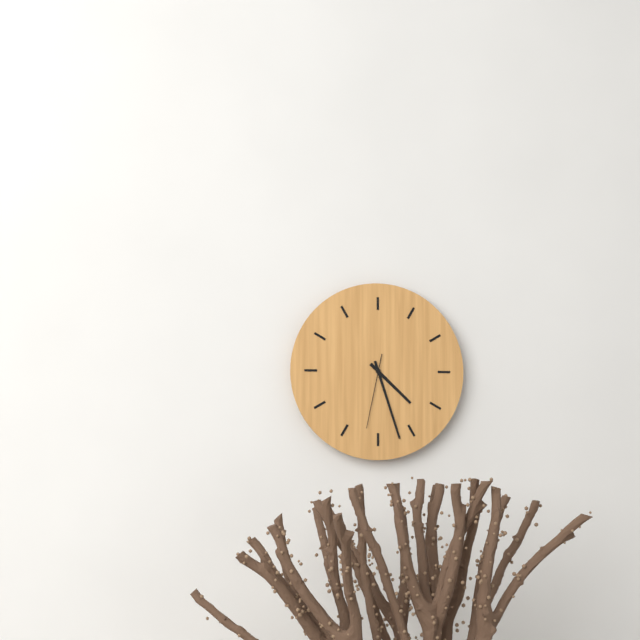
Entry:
4.27.32
